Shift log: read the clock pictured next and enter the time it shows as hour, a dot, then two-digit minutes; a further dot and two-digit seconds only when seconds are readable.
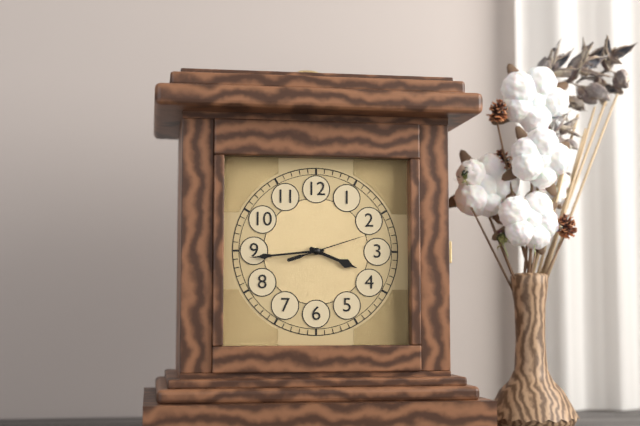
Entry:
3.44.12
